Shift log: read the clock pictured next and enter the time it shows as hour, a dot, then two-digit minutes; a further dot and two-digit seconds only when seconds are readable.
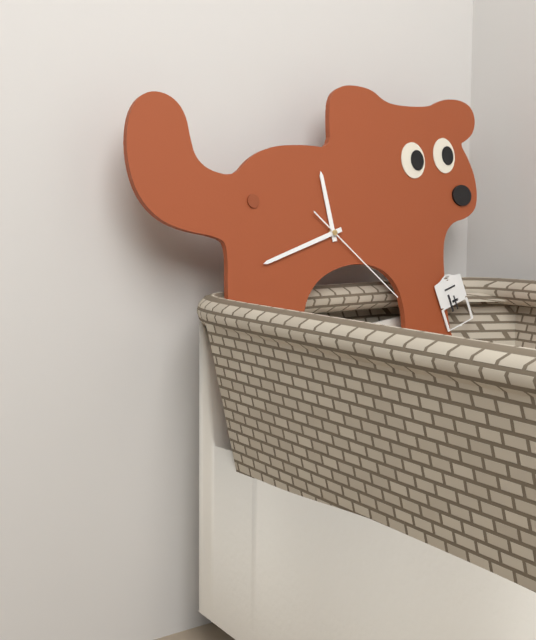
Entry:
11.42.22
